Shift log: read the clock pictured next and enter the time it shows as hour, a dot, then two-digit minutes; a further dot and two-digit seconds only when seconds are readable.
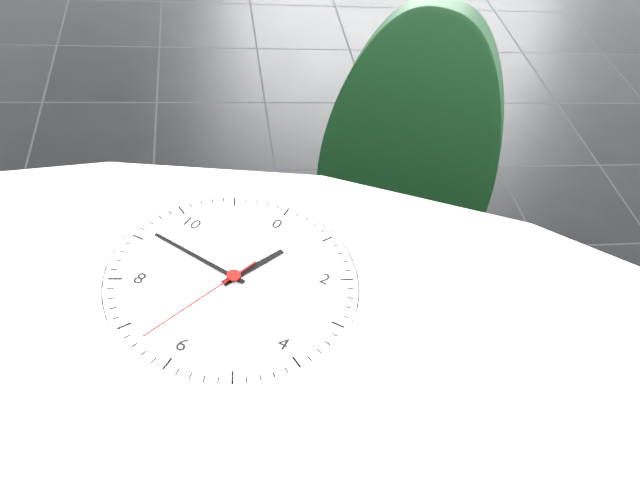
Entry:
12.46.33
